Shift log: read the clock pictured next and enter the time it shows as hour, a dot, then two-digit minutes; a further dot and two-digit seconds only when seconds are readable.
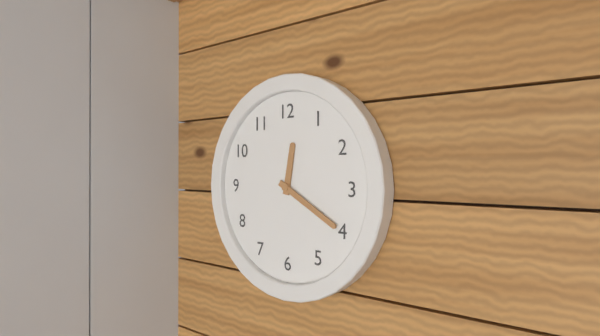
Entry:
12.20
